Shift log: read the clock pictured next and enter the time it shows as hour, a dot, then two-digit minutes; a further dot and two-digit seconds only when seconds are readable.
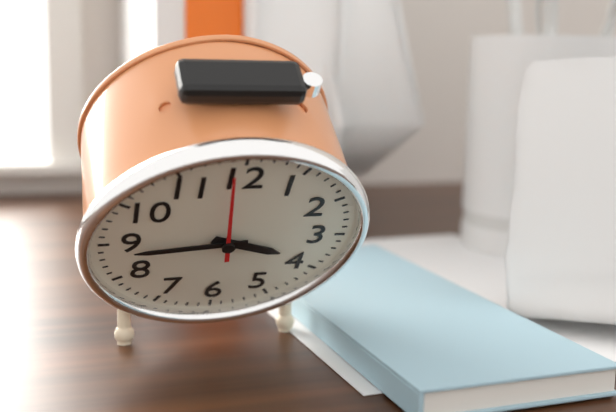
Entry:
3.44.59
